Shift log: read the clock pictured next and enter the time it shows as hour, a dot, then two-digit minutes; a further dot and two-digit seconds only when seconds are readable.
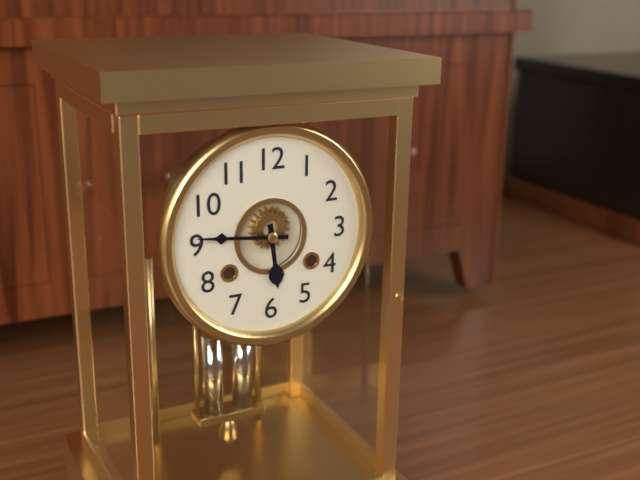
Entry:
5.46
